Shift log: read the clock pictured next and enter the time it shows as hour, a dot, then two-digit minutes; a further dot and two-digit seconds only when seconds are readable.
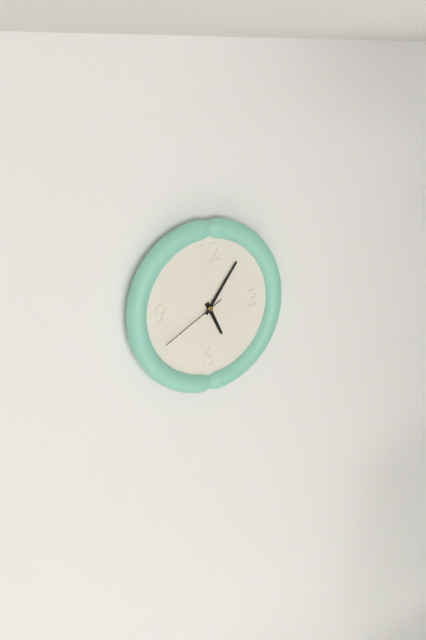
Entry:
5.06.40
